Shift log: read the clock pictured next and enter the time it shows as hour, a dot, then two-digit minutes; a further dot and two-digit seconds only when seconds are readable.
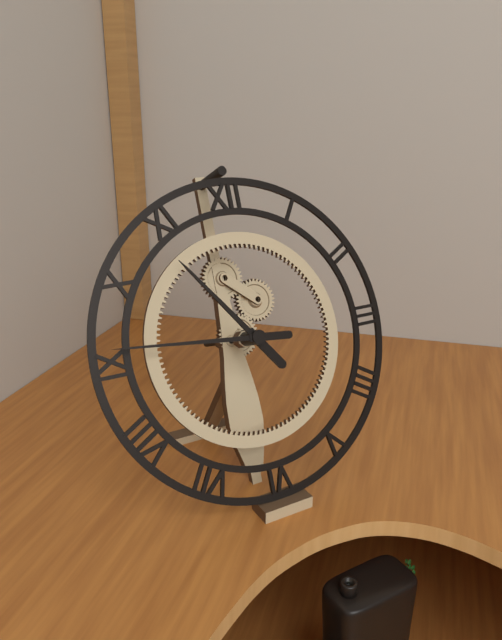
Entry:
10.46
